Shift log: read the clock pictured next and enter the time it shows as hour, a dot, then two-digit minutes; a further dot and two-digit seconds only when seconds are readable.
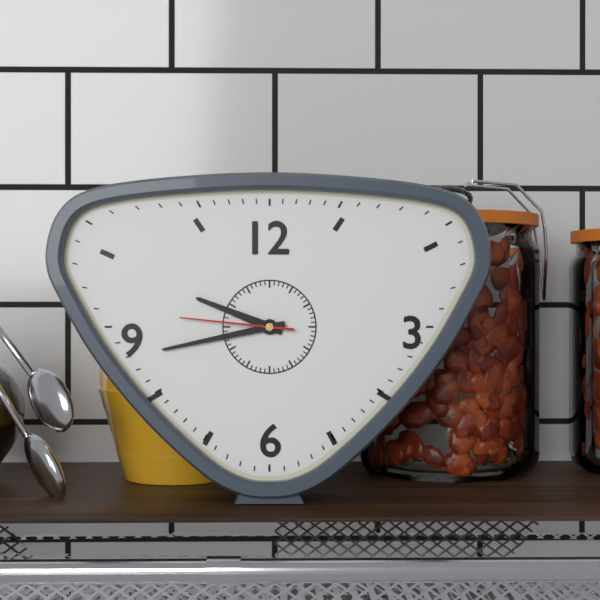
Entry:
9.43.46
